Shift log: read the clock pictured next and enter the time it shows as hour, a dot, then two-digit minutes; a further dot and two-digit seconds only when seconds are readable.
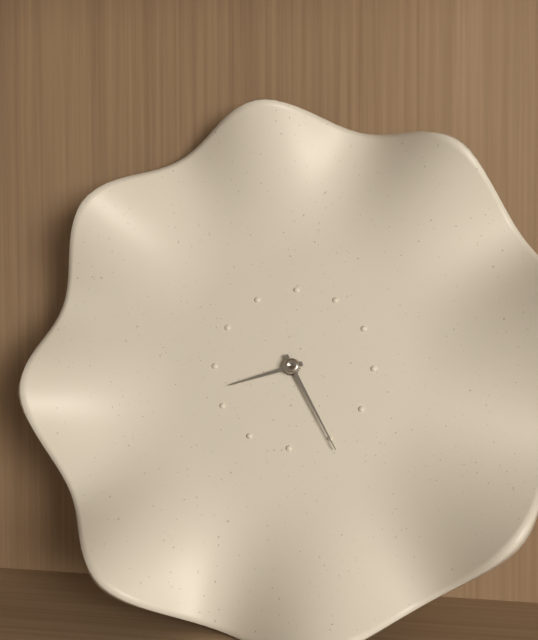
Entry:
8.25
